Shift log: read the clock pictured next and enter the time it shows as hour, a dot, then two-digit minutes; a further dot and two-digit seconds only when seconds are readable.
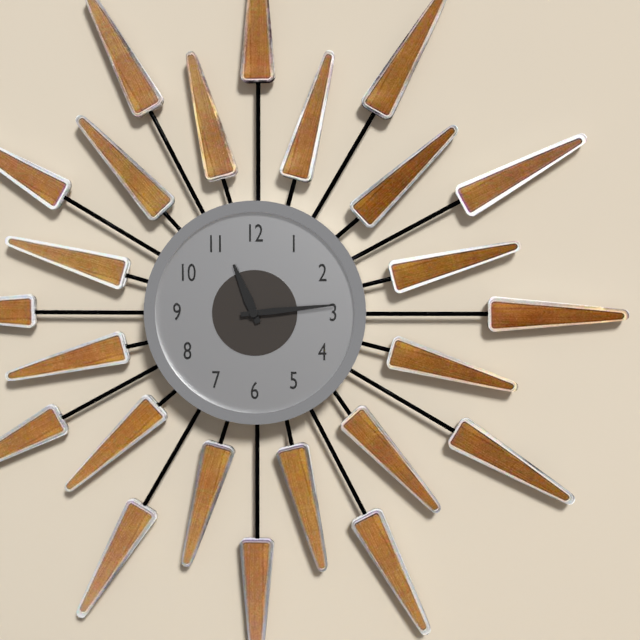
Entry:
11.14
